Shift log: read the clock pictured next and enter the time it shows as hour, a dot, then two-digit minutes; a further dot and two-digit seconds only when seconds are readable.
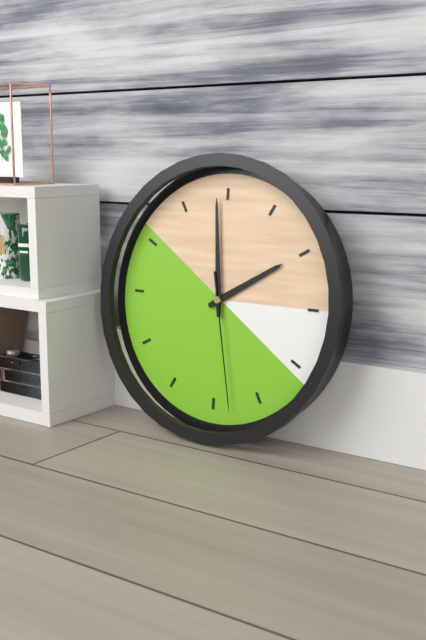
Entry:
1.59.28
